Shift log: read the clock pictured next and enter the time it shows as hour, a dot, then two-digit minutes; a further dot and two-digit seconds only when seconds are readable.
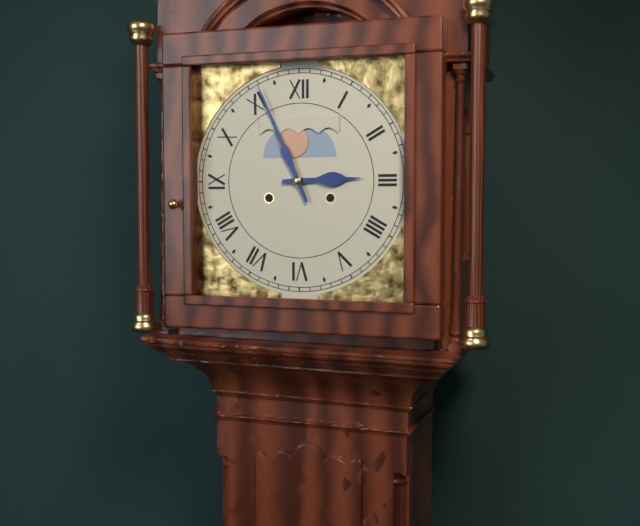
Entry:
2.56
